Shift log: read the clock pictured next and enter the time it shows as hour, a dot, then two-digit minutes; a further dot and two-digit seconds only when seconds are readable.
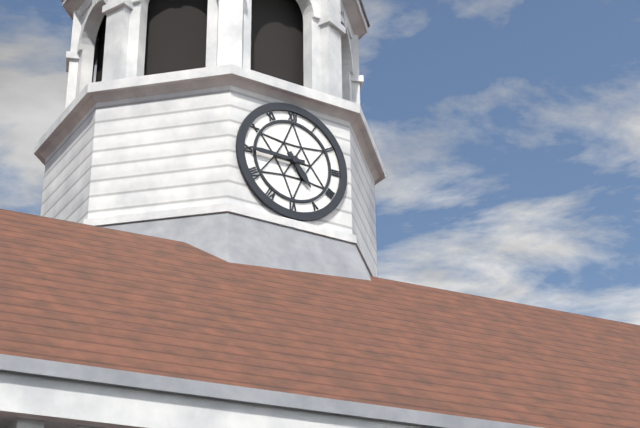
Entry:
4.45
